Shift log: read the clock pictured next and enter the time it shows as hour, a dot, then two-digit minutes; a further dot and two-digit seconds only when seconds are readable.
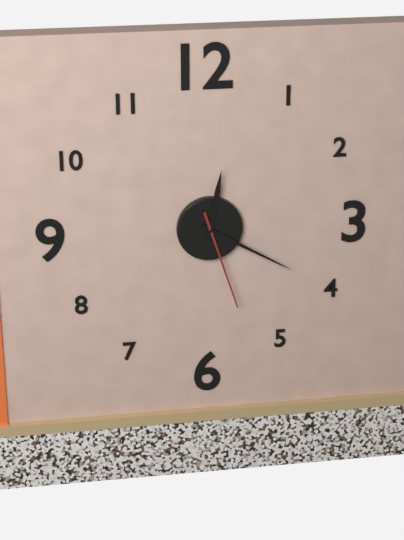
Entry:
12.20.27
